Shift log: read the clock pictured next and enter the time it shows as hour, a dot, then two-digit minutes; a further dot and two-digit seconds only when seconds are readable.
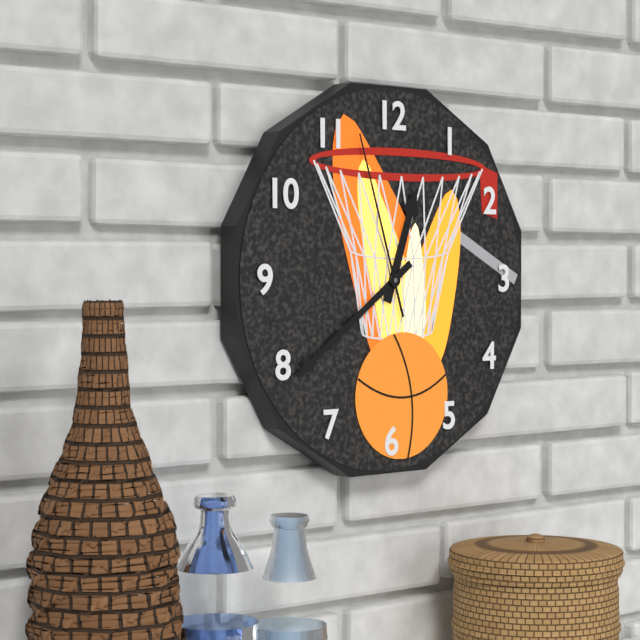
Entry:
12.39.57
